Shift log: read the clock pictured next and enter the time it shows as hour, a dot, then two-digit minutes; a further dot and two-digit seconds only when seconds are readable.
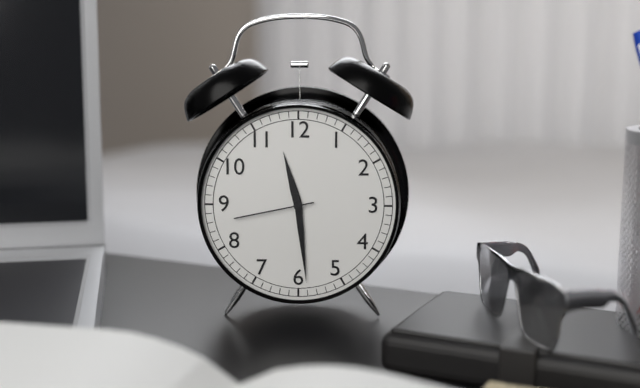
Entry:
11.29.43
